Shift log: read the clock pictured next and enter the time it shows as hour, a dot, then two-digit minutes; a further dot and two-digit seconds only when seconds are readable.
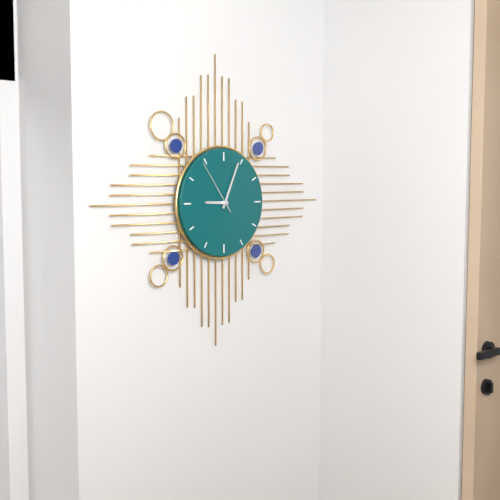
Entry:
9.04.54
